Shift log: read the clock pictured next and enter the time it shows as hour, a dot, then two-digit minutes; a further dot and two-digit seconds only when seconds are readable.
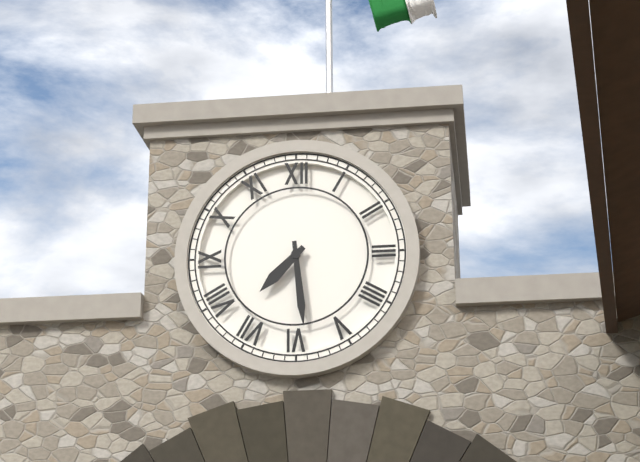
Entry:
7.29
